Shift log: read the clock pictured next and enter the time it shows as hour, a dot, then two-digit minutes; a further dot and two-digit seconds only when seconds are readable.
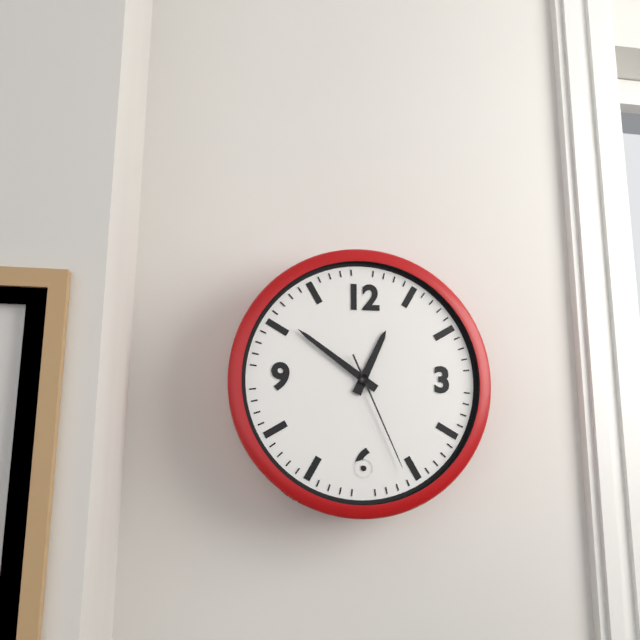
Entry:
12.51.26
